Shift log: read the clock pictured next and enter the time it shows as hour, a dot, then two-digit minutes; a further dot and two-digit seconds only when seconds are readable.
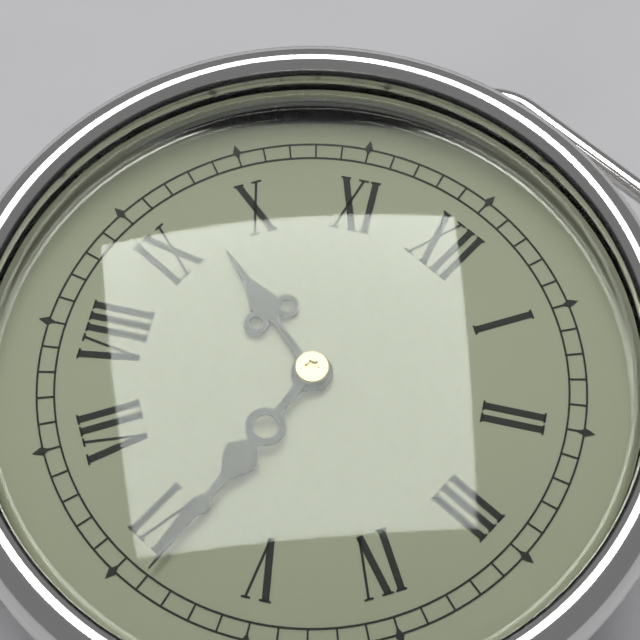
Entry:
9.29
